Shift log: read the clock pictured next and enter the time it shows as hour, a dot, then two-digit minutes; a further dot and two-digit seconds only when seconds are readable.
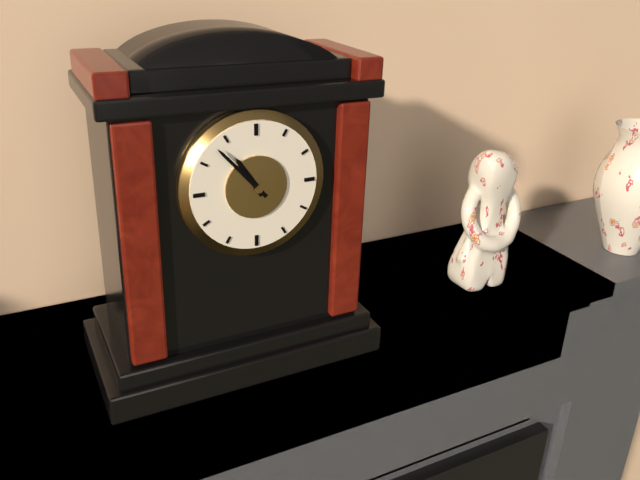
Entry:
10.53
